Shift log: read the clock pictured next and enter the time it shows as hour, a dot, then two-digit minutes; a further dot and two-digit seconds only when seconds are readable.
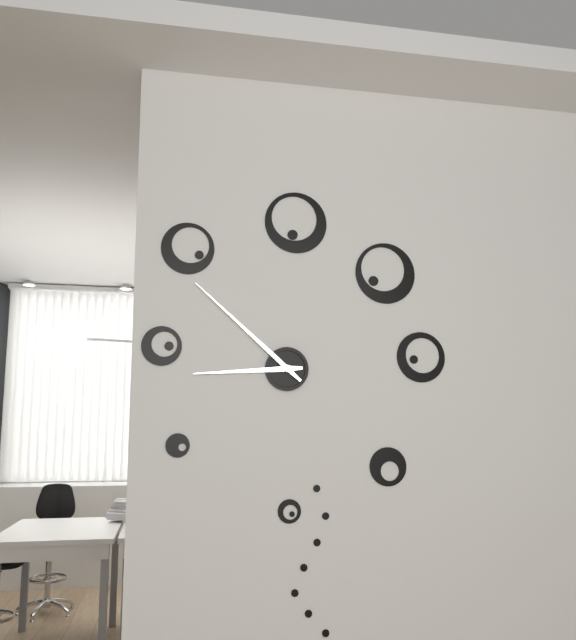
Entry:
8.52
